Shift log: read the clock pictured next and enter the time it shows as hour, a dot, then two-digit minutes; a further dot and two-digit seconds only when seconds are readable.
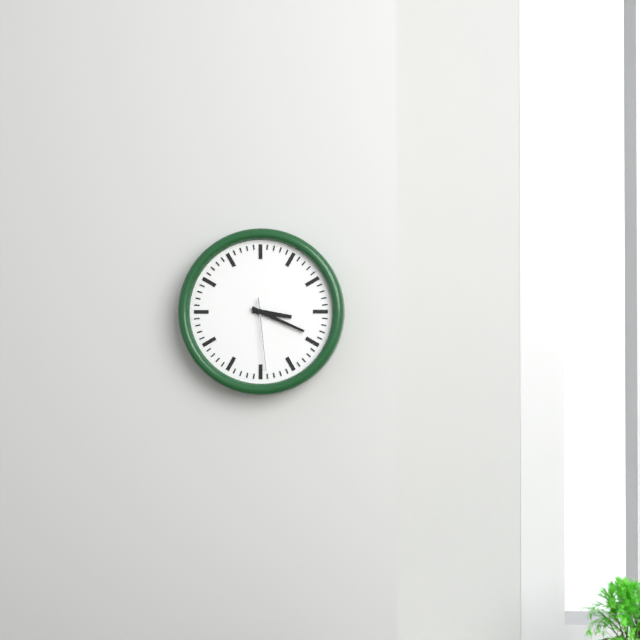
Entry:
3.19.29
